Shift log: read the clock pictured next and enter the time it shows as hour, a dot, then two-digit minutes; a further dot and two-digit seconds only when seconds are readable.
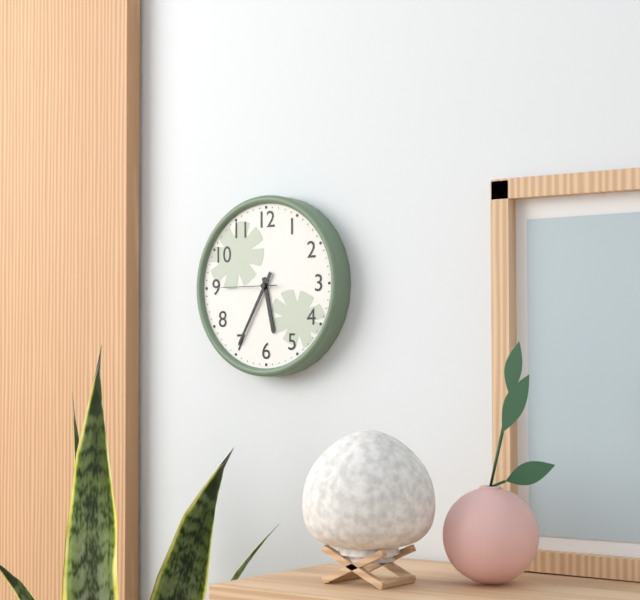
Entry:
5.35.45
